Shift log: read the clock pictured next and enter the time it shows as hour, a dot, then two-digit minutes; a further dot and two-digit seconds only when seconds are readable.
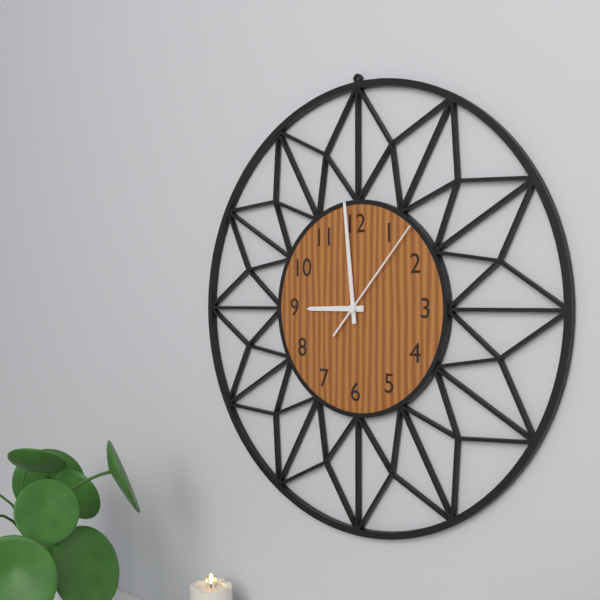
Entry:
8.59.07
